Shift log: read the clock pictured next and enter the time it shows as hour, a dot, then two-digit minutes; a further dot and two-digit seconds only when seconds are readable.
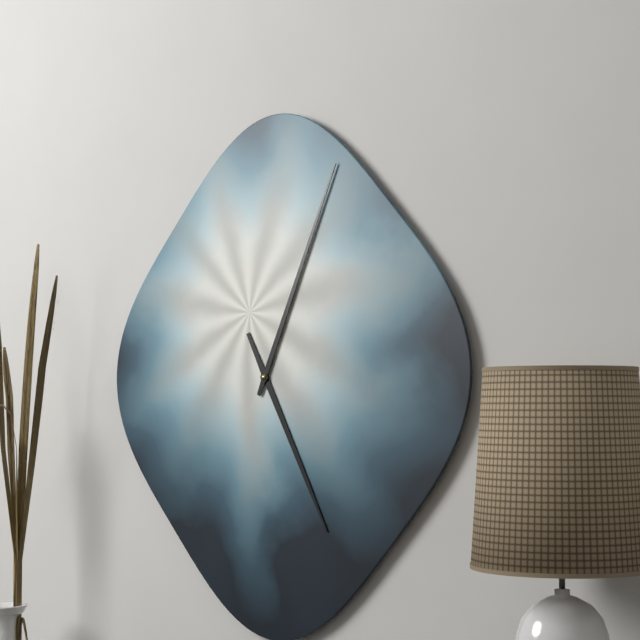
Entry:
5.04
